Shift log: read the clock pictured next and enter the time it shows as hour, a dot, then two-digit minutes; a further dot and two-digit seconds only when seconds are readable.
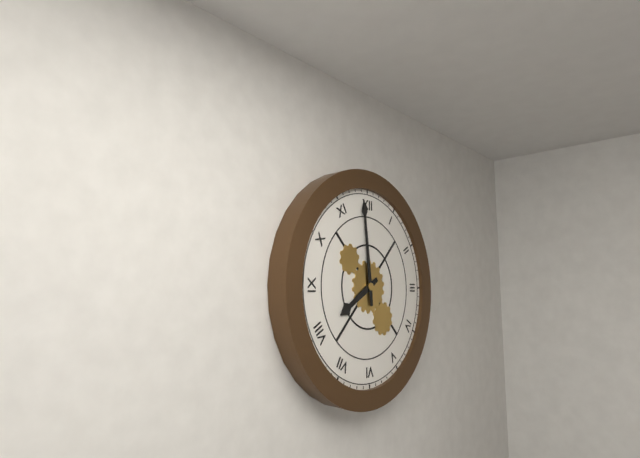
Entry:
7.59
